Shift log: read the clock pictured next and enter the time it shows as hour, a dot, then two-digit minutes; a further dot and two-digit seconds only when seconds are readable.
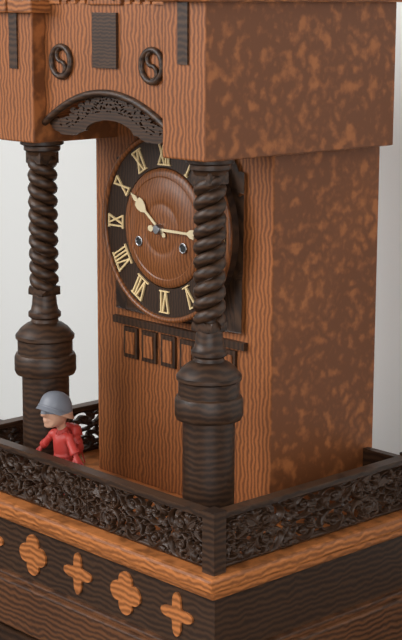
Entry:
10.15
